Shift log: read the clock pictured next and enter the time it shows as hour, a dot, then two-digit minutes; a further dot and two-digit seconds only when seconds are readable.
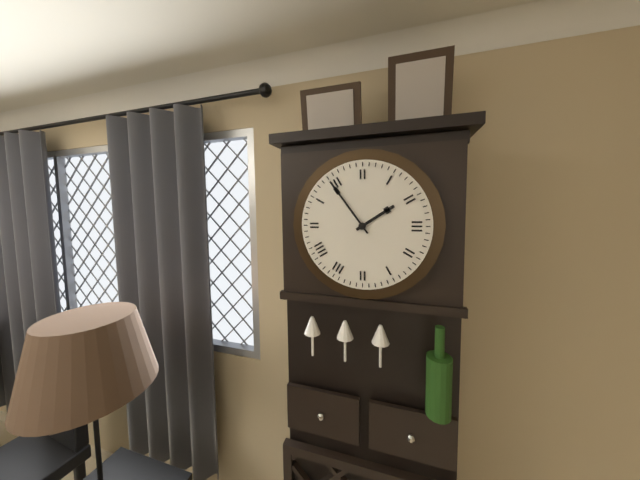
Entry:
1.54
